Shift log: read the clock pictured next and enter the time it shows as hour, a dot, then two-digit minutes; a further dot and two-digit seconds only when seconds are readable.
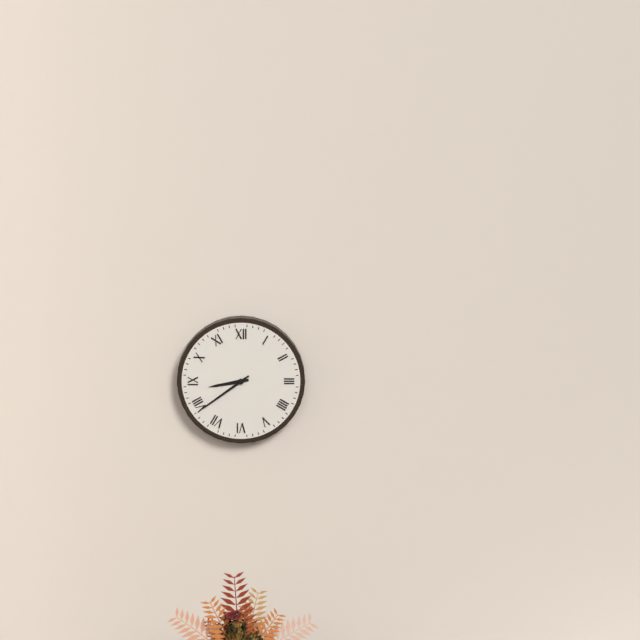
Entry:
8.39
